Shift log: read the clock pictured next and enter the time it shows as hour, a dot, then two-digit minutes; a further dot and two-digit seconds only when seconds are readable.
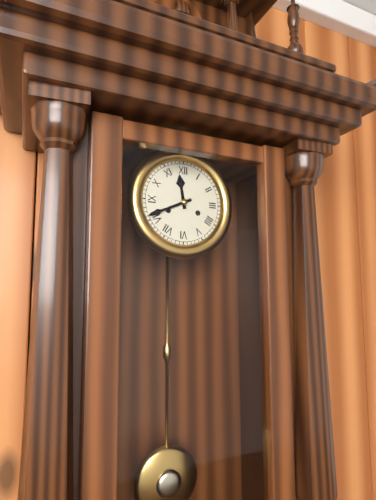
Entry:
11.41
